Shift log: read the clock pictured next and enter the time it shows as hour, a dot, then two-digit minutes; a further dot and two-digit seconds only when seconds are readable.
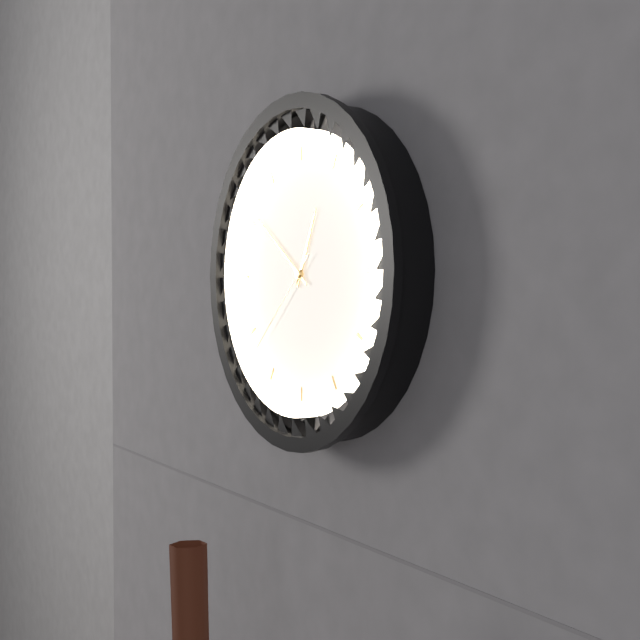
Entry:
12.51.38
